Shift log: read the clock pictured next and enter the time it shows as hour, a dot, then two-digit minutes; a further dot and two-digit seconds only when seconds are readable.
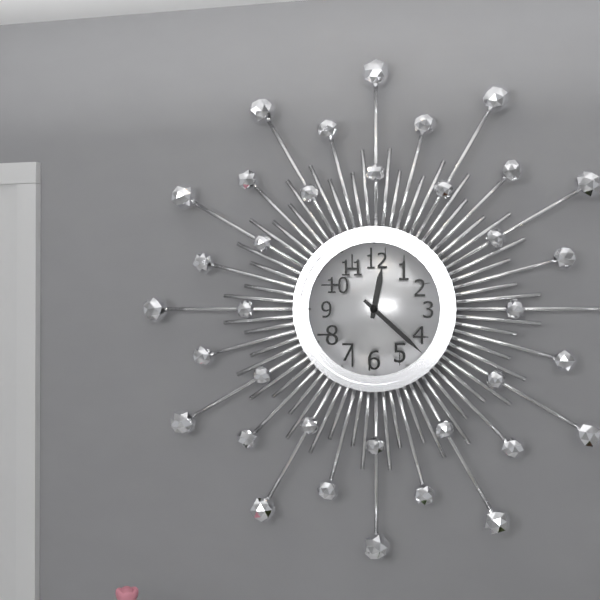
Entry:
12.22
